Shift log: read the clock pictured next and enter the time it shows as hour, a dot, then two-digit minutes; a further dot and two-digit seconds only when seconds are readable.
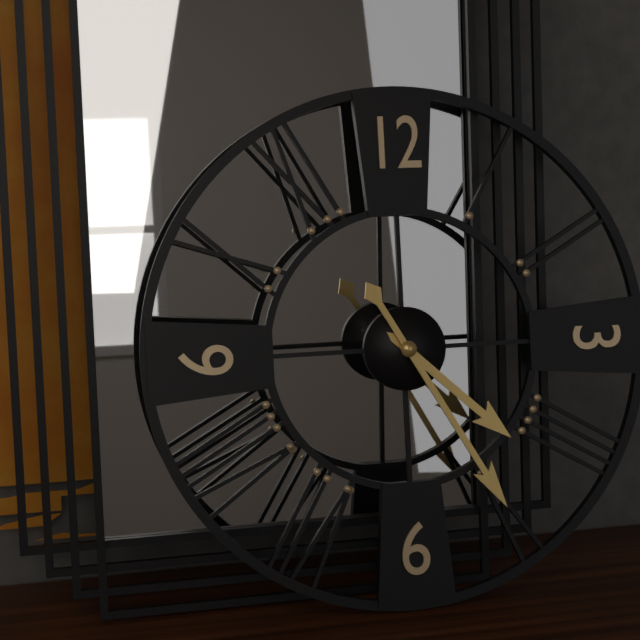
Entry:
4.25
